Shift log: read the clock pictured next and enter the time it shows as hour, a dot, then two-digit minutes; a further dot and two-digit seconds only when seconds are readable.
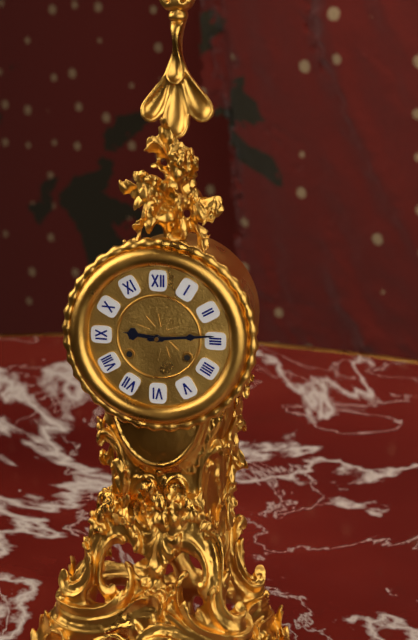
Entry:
9.14
